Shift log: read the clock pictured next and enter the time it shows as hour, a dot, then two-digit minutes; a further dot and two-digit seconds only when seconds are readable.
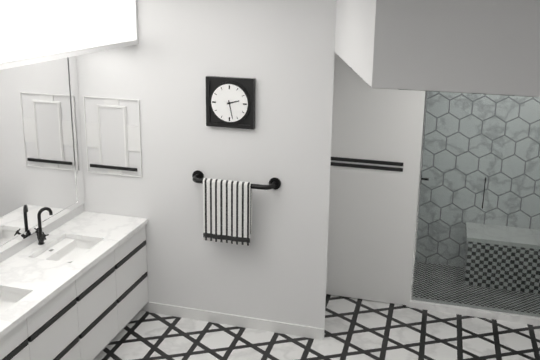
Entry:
2.28
